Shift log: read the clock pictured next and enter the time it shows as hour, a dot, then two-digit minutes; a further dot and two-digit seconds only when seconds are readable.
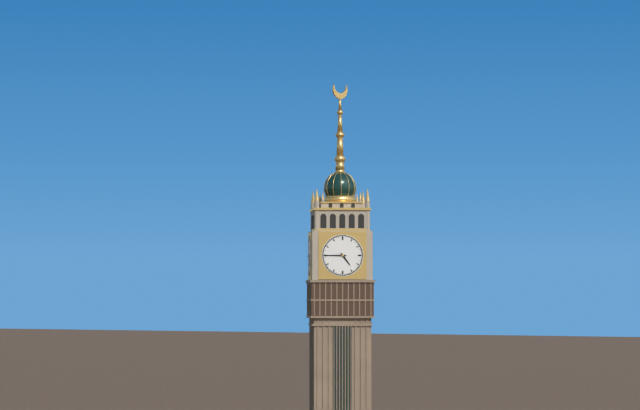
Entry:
4.45
